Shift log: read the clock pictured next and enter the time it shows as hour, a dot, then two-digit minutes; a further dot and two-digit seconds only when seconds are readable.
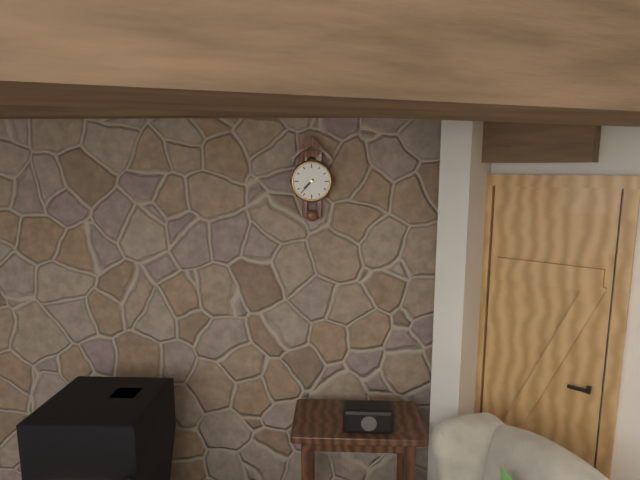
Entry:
7.37
